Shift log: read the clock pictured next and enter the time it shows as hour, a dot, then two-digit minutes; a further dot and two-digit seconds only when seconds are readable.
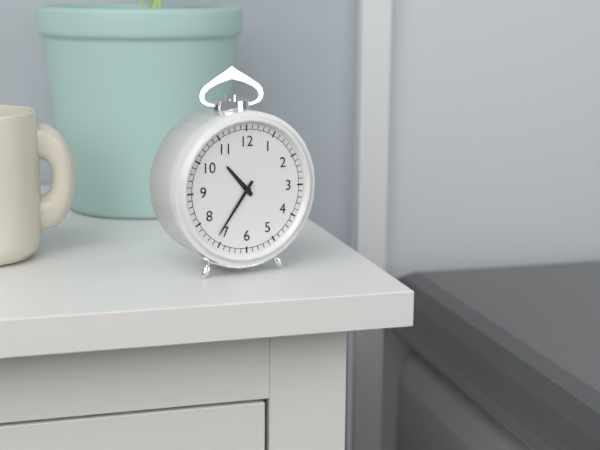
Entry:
10.36
